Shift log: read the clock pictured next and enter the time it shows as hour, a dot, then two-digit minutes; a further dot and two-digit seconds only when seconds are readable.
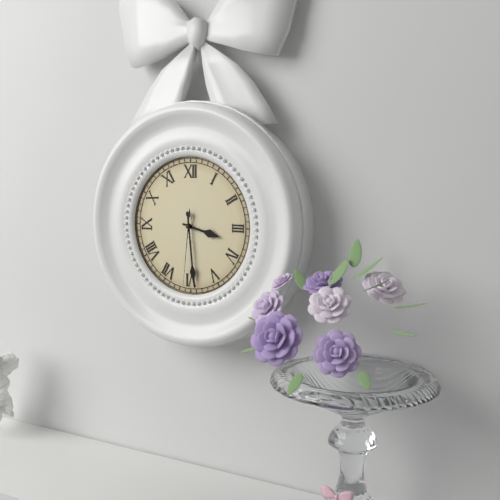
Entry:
3.29.31
